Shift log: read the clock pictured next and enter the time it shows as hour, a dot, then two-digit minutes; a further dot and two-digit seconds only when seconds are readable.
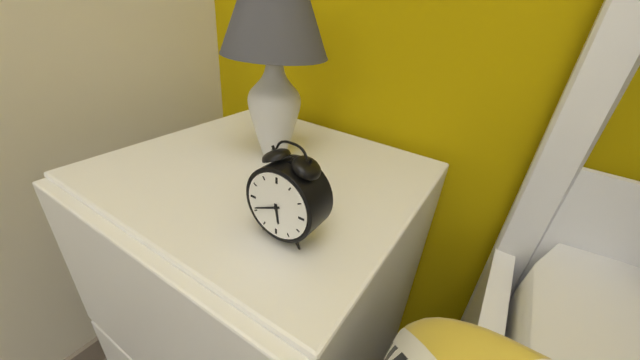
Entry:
5.41
